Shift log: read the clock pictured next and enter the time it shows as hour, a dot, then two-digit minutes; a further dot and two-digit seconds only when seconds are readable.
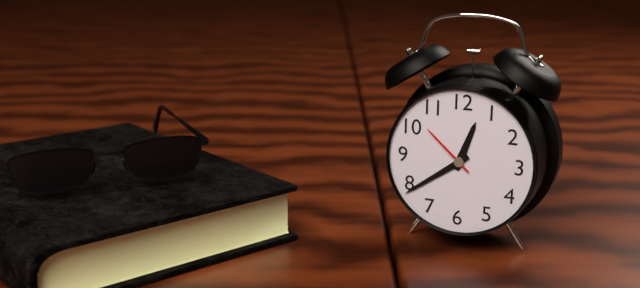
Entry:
12.39.52
